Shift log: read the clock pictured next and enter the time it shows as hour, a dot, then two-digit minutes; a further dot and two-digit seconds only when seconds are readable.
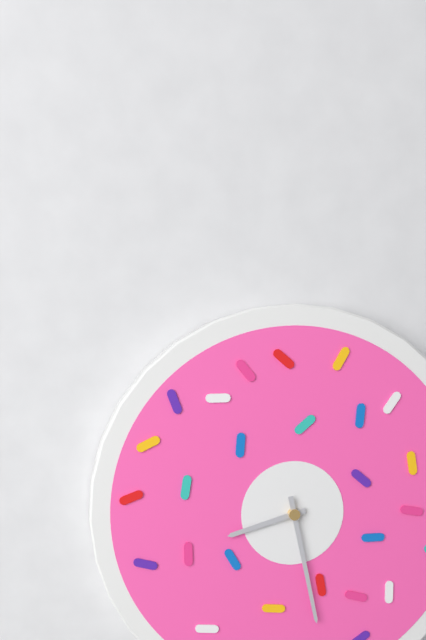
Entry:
8.28
